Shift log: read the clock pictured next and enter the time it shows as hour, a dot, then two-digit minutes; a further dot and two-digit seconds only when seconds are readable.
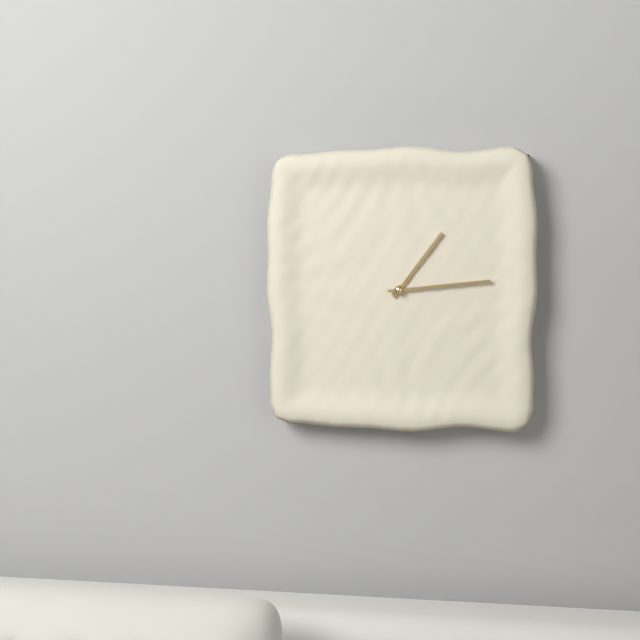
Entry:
1.14
